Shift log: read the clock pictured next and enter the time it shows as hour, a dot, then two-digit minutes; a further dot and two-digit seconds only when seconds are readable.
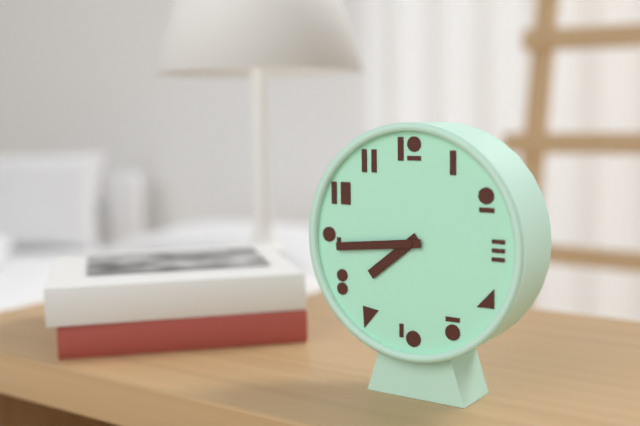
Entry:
7.44
